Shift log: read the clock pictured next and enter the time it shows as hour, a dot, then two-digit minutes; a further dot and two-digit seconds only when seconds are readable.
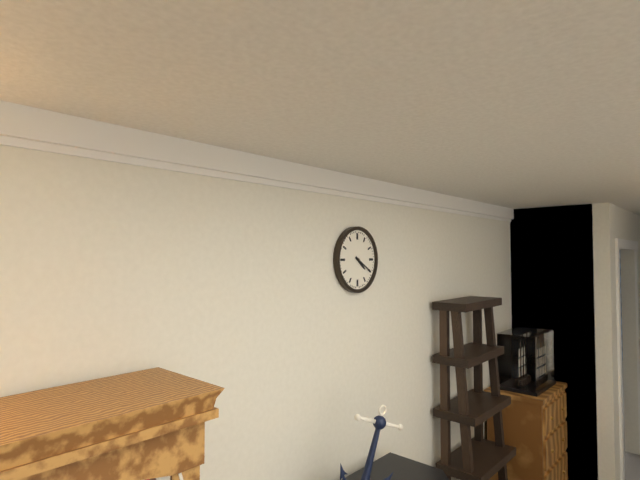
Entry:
4.20
